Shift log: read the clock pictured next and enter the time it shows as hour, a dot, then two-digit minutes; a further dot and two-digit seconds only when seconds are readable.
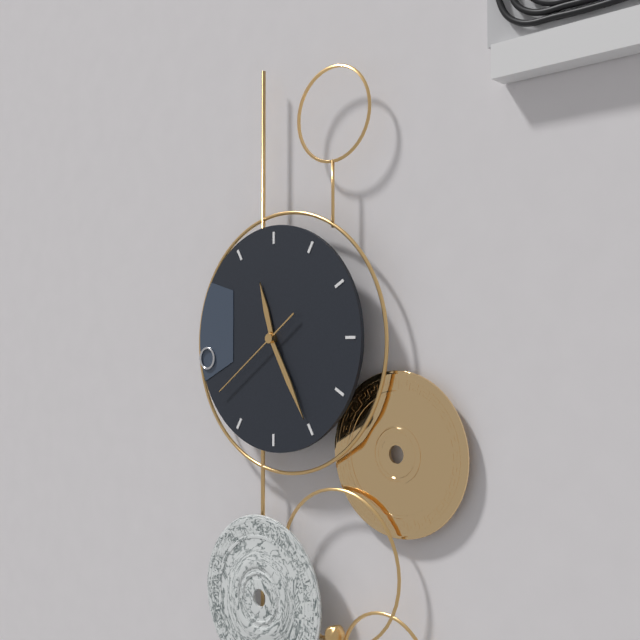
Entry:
11.25.39
